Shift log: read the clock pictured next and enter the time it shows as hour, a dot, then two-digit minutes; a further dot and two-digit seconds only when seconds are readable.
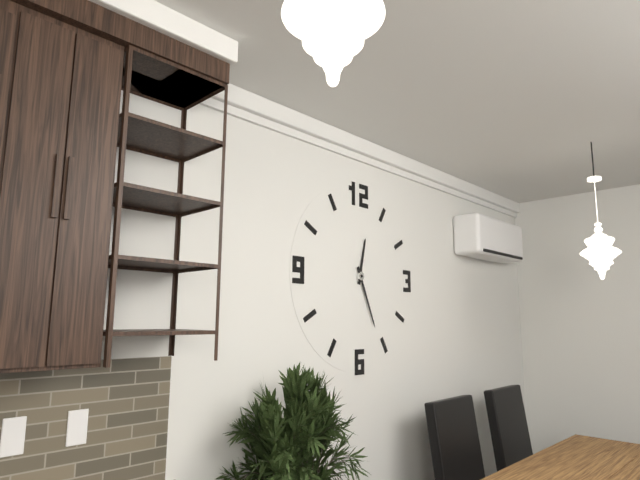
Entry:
12.26
